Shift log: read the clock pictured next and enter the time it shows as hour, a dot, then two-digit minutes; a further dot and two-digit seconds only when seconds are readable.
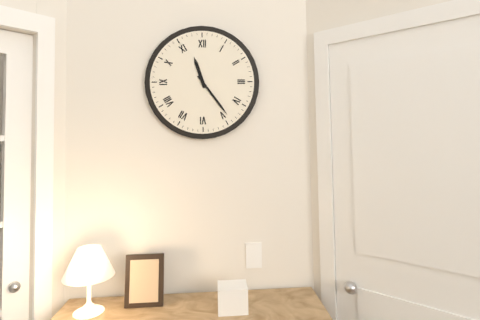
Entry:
11.24
